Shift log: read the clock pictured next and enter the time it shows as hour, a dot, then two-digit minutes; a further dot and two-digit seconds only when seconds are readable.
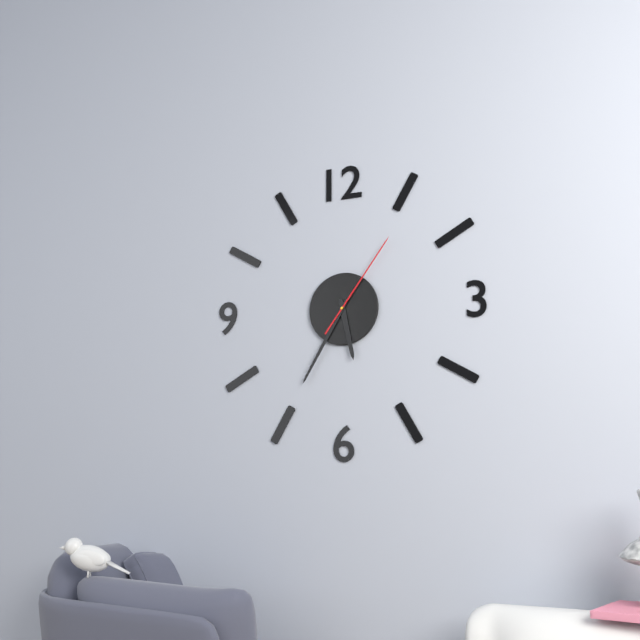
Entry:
5.35.06
